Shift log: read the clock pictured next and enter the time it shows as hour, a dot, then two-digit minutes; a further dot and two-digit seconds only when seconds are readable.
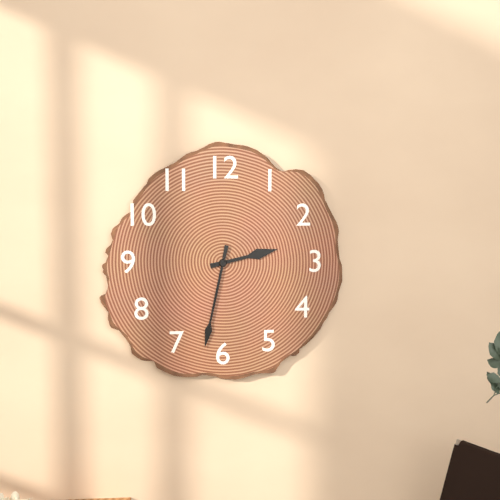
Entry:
2.32
